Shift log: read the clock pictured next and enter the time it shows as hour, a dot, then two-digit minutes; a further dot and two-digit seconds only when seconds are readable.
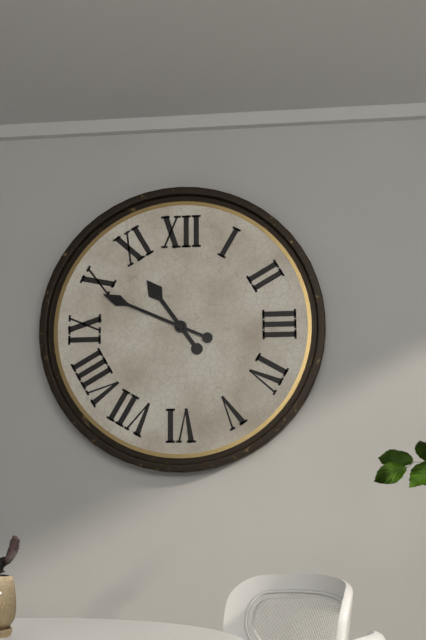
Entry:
10.49
